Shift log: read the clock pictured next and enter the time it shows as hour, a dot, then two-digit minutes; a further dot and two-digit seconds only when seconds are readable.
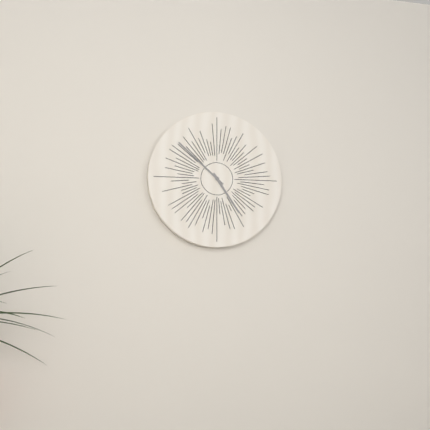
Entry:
4.52
